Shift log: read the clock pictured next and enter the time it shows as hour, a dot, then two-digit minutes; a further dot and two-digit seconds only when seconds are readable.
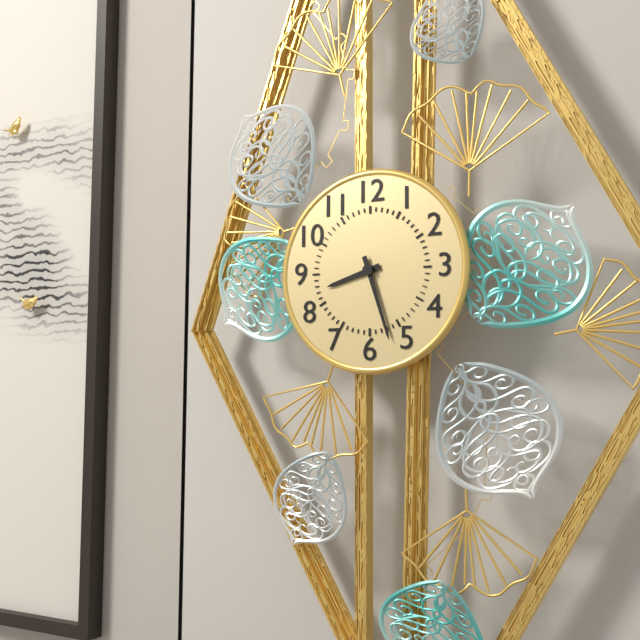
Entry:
8.27
